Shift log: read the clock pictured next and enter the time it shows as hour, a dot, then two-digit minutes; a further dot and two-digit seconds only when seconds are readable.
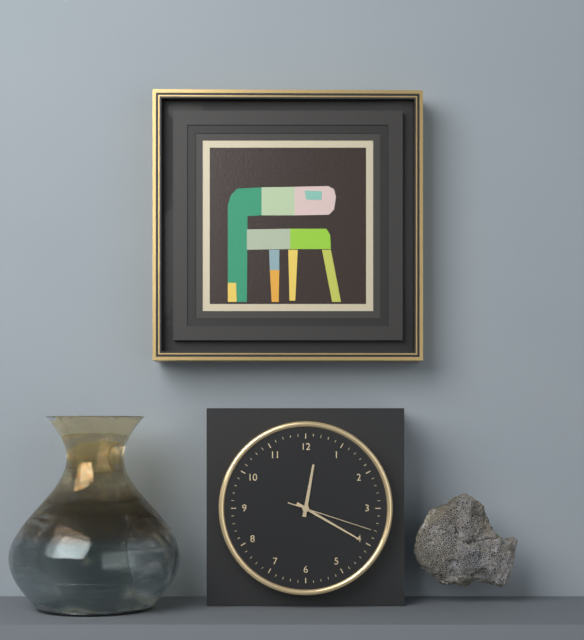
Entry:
12.20.18
